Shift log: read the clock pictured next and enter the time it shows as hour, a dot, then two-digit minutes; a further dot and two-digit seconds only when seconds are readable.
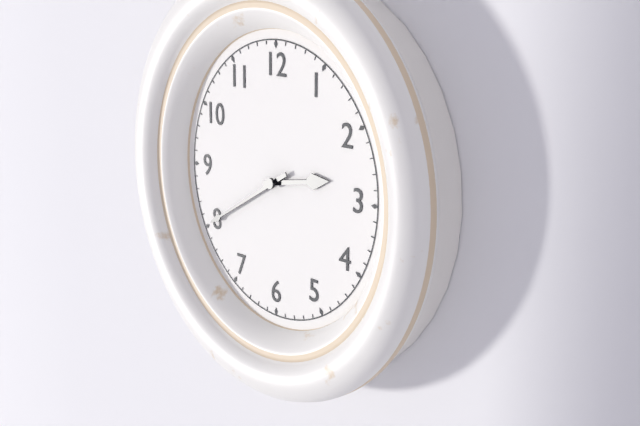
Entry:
2.40
